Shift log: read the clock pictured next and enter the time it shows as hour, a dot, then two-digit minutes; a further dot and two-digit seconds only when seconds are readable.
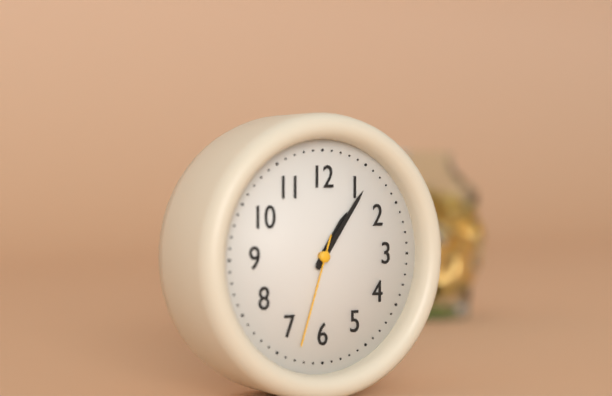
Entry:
1.06.33
